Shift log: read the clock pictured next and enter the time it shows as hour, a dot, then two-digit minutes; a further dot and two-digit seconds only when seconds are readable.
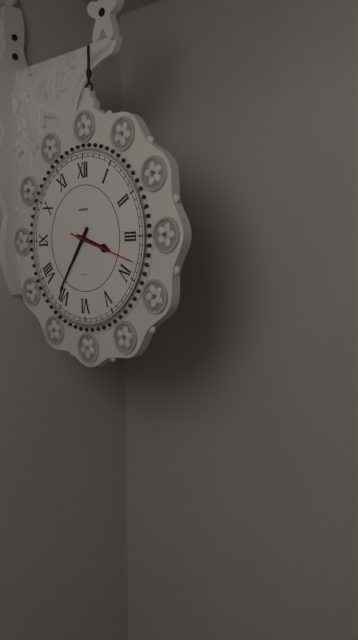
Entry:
3.36.18
